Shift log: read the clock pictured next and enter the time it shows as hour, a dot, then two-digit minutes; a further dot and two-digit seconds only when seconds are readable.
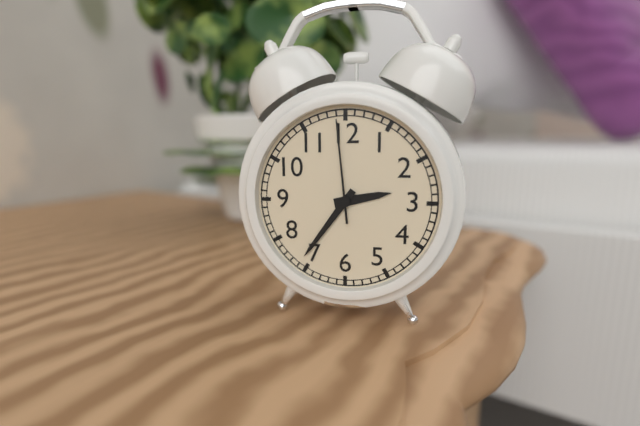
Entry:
2.36.59
